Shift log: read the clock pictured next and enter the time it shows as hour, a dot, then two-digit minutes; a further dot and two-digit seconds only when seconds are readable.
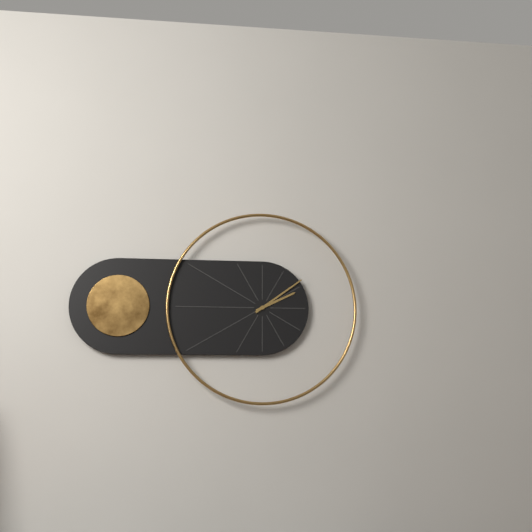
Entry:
2.09
